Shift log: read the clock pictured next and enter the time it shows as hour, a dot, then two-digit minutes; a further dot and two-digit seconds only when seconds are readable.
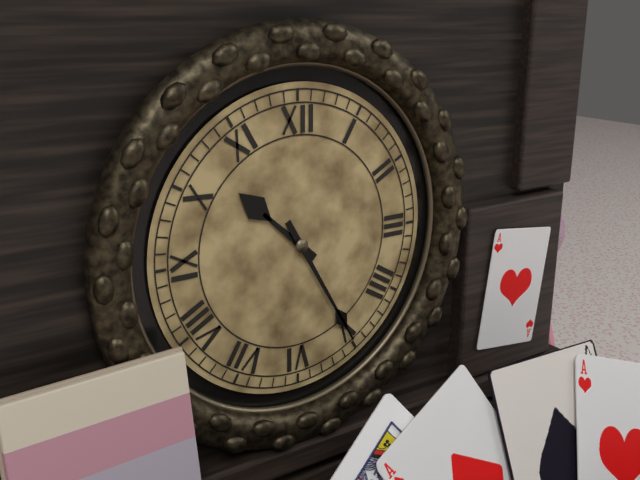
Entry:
10.25
